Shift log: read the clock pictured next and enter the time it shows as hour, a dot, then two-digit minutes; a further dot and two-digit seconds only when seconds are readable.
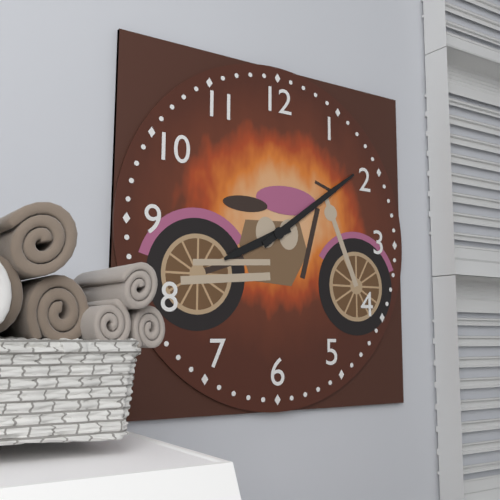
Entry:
8.09
